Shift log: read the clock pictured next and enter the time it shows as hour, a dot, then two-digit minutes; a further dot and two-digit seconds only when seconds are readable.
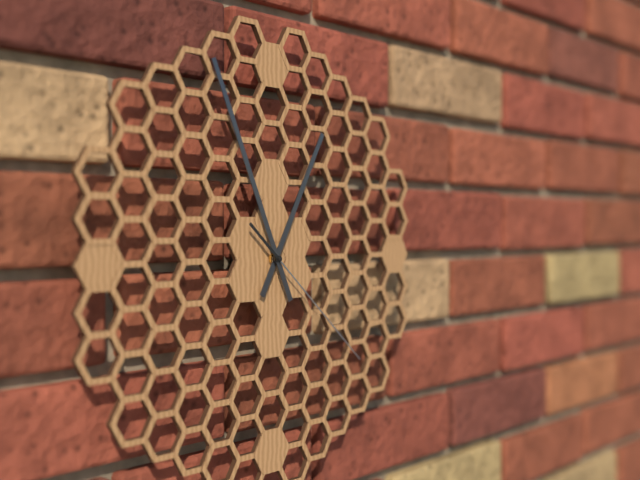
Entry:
12.56.22
